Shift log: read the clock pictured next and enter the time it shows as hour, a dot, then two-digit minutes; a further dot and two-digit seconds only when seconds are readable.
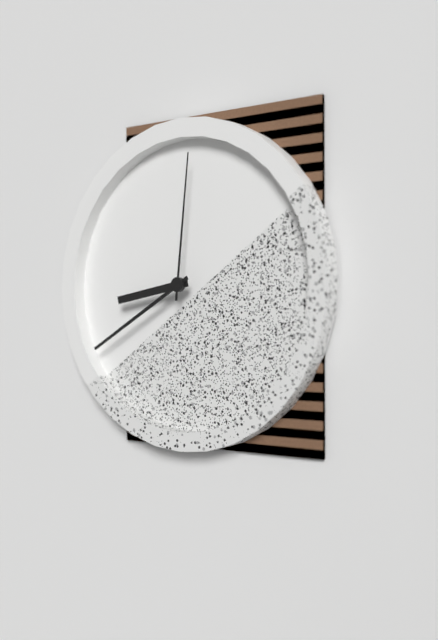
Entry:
8.40.01
